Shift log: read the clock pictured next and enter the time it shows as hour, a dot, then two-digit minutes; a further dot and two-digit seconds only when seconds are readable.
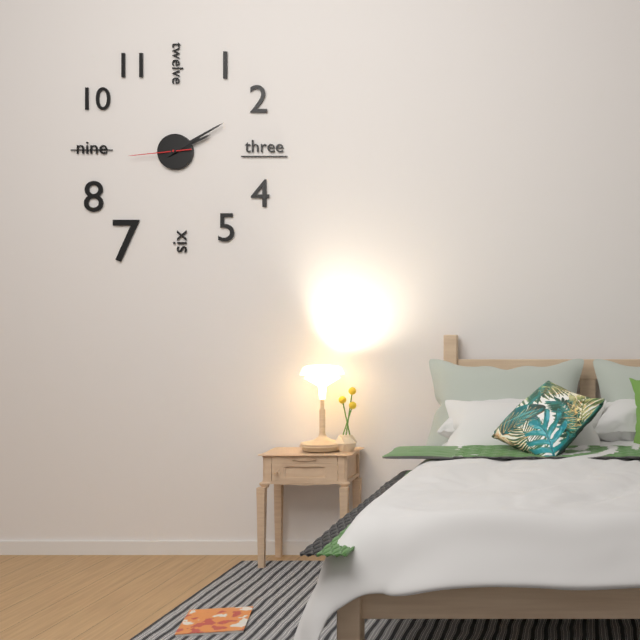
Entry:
2.10.44
